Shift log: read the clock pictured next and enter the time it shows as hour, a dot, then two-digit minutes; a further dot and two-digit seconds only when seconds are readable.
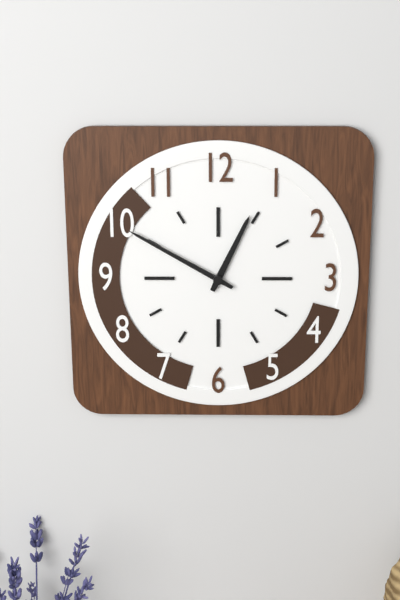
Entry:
12.50
